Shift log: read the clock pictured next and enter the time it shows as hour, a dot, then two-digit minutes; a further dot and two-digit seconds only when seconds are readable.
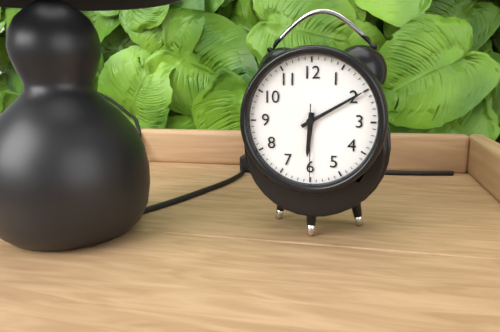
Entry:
6.10.30
